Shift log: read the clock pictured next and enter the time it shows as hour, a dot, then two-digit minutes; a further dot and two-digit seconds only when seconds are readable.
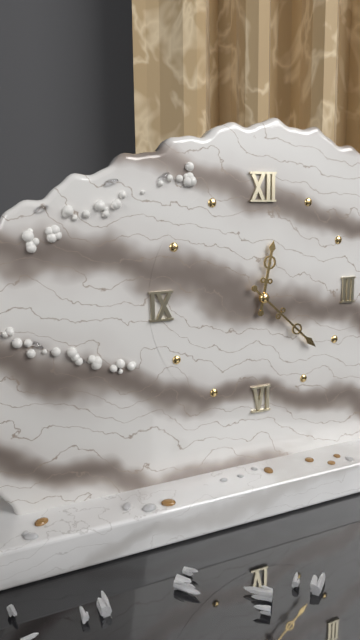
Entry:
12.22
